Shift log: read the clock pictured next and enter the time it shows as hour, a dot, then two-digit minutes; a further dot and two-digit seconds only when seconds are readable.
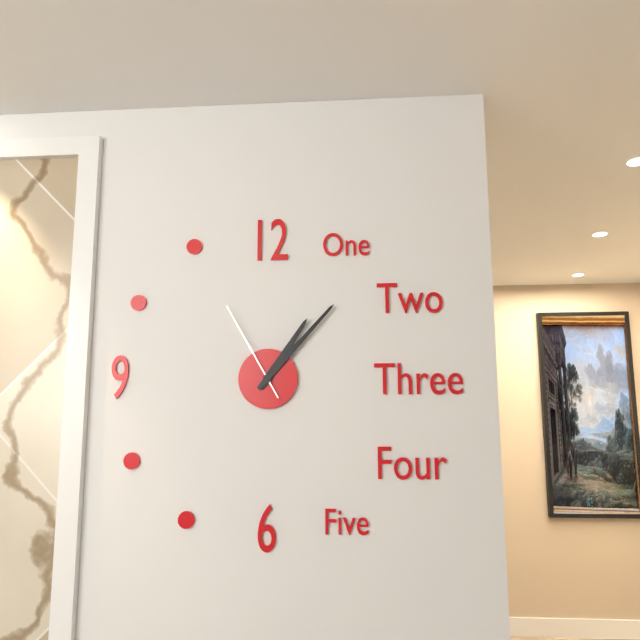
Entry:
1.07.55
